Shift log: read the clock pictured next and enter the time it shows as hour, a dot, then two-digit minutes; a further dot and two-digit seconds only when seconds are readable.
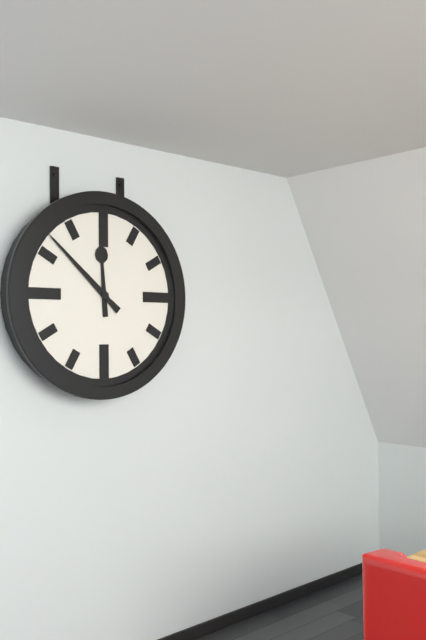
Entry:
11.52
